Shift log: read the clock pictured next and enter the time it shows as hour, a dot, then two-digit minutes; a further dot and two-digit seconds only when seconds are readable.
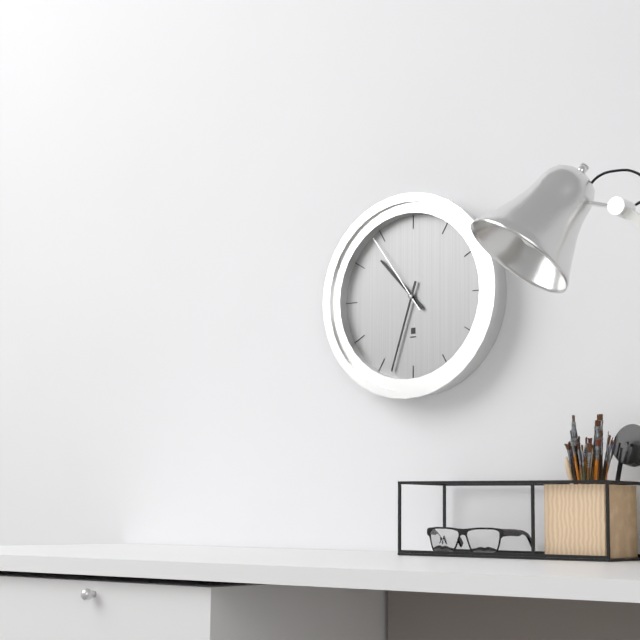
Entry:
10.33.54
